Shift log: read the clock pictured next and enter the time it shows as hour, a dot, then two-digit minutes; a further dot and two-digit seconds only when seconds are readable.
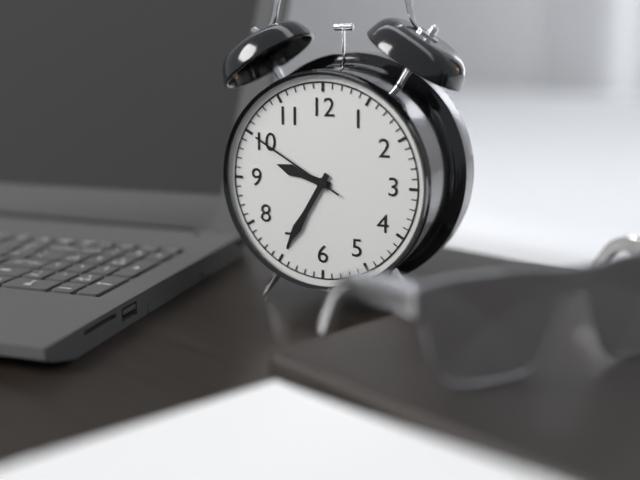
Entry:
9.35.50
